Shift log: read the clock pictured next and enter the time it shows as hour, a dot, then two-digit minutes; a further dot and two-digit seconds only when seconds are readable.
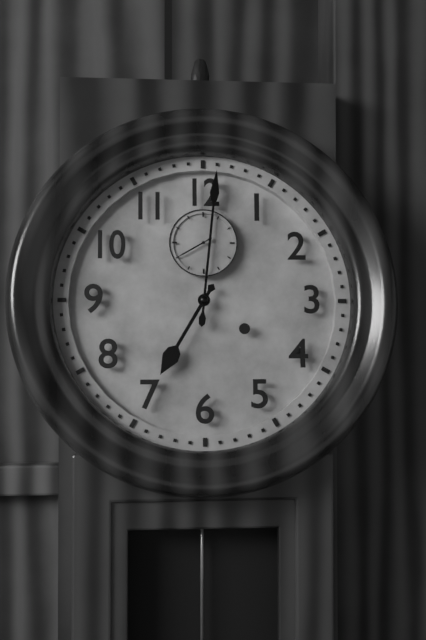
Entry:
7.01
